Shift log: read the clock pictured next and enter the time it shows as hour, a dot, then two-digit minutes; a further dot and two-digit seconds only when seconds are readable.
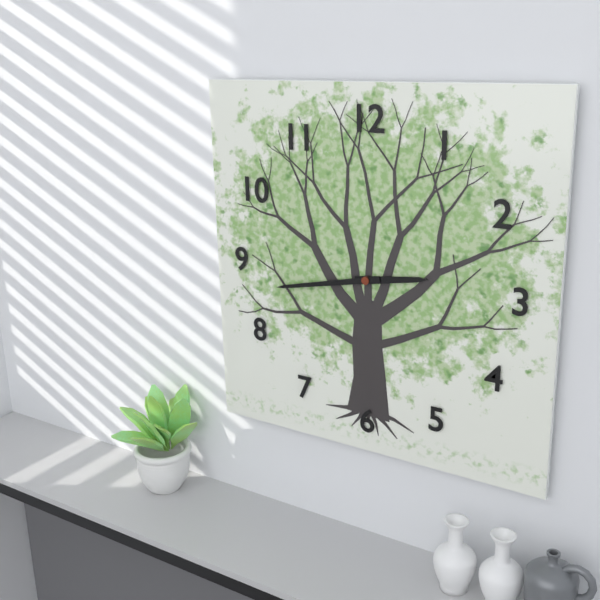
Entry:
2.43
